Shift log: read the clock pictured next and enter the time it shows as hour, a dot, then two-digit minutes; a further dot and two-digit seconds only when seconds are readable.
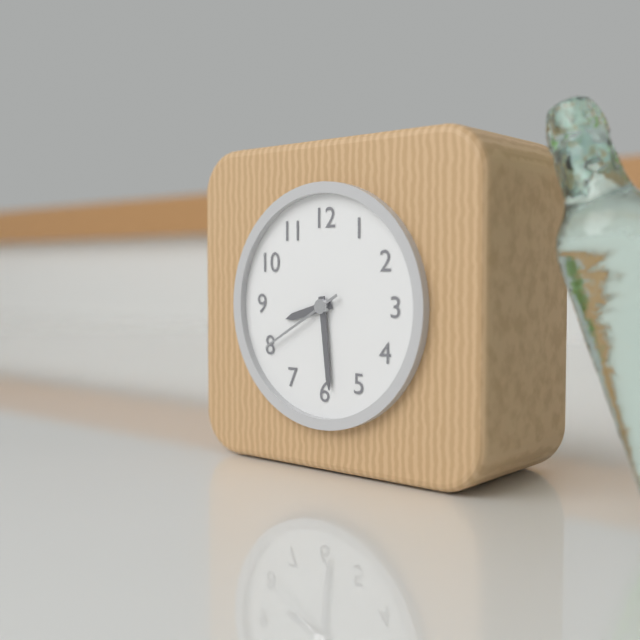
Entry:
8.29.40
